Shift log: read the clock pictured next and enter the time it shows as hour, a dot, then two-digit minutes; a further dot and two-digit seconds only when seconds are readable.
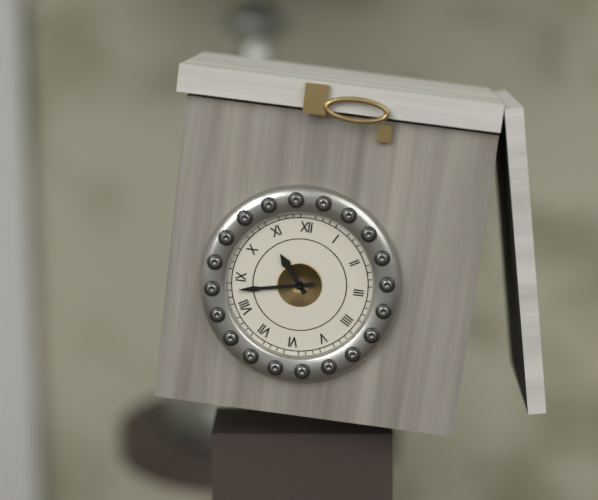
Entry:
10.43
